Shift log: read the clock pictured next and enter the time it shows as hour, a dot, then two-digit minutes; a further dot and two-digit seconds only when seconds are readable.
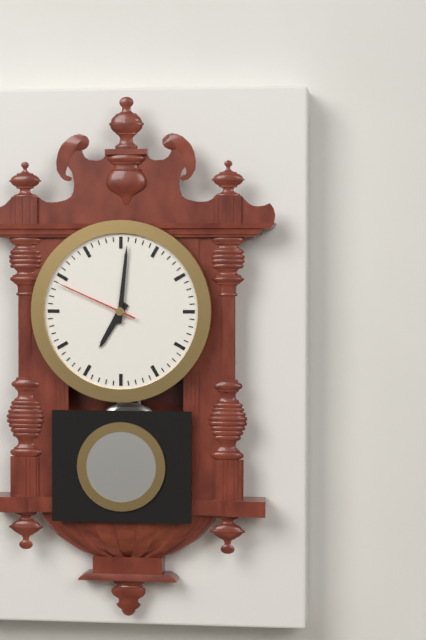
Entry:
7.01.49
